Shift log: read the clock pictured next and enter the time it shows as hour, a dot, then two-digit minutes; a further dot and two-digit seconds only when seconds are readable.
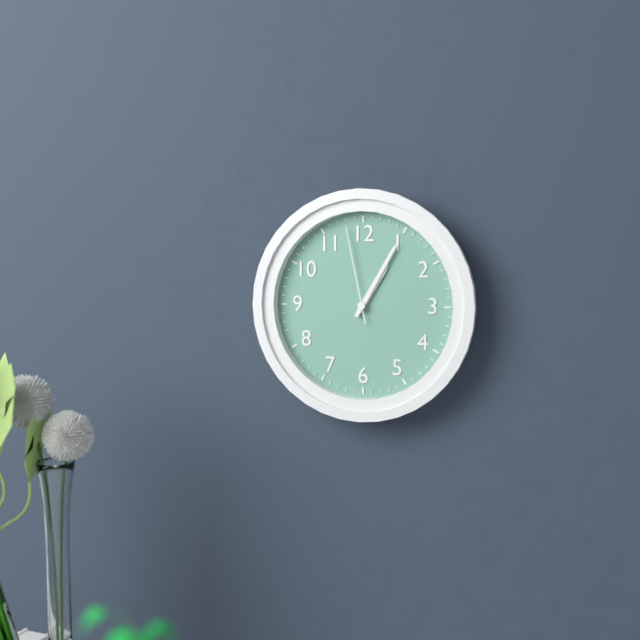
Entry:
1.05.58
